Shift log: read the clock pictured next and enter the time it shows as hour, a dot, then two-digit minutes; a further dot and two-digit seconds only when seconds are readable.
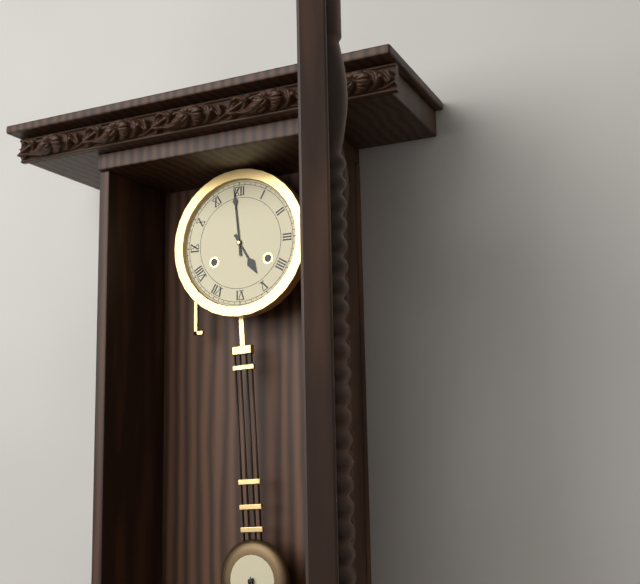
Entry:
4.59
